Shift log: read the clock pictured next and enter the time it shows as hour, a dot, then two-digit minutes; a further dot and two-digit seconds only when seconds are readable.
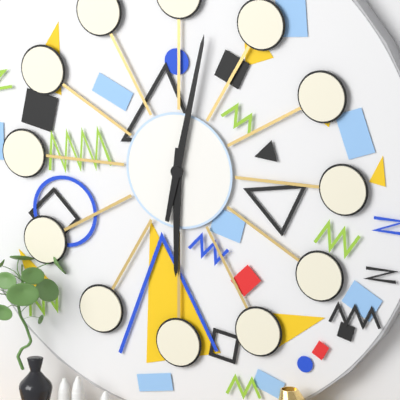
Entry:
6.02
